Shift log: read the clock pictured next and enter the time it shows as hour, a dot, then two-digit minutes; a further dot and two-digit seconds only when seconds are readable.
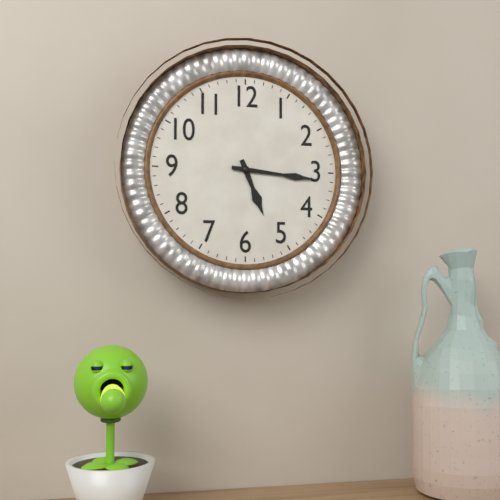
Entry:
5.16
